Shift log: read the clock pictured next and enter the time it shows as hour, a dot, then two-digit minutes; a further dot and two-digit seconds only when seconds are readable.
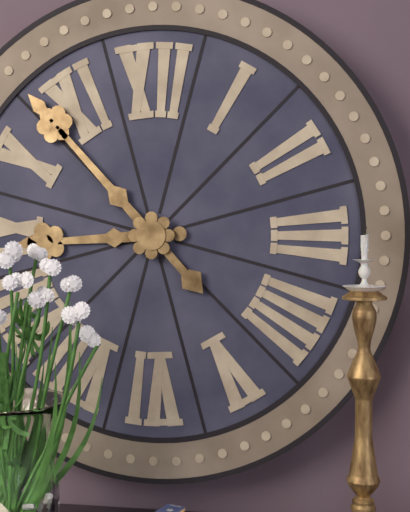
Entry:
8.53
